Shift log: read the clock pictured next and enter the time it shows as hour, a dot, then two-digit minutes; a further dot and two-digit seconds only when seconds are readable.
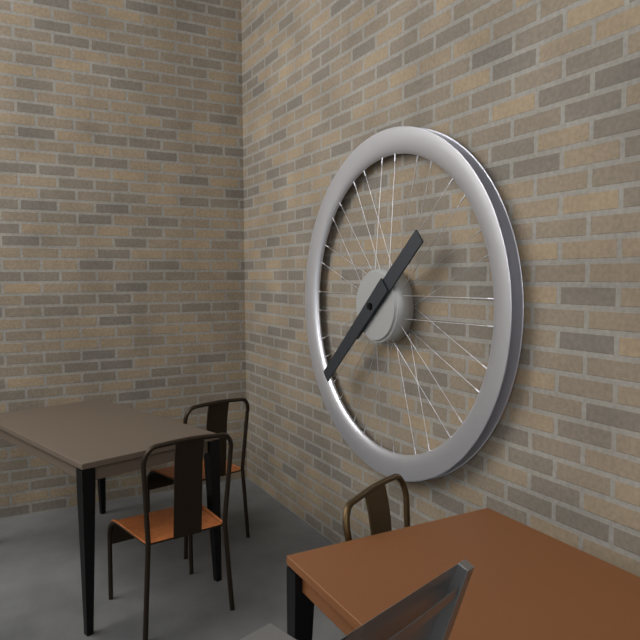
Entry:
1.38
